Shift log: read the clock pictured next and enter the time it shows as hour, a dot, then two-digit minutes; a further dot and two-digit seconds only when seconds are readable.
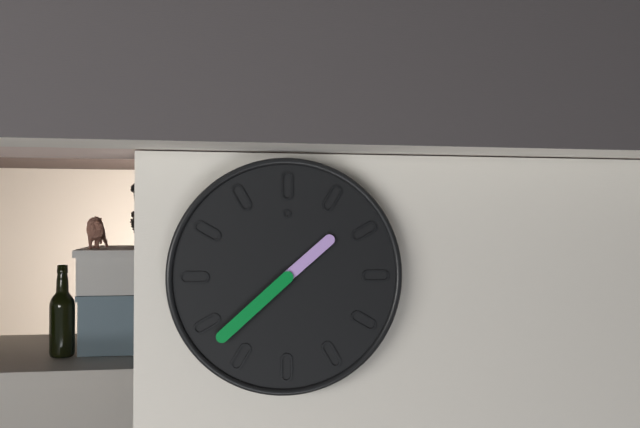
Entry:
1.38
